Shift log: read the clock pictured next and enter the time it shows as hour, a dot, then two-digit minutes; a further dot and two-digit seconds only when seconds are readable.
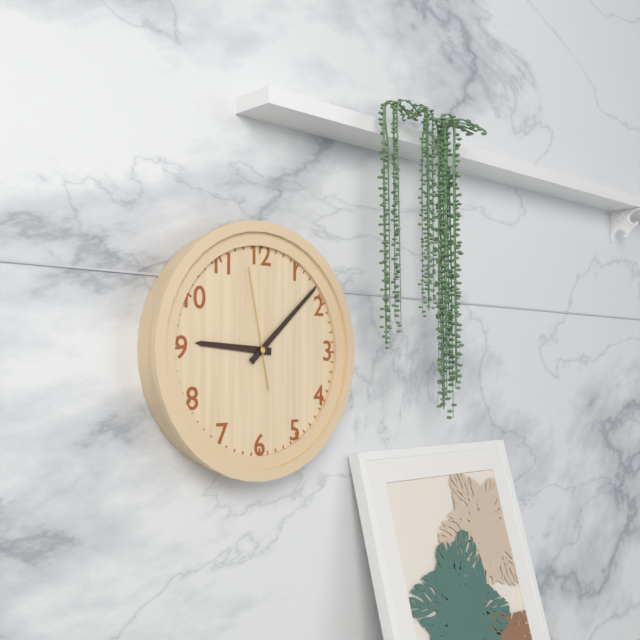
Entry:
9.08.58
